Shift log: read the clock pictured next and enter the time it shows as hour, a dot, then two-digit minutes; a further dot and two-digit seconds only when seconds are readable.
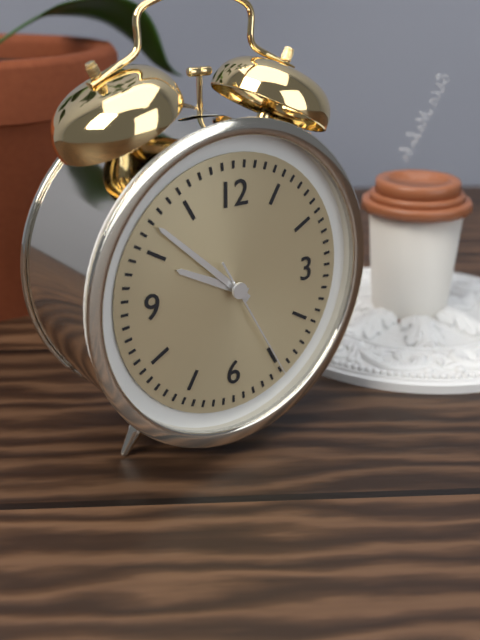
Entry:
9.52.25
